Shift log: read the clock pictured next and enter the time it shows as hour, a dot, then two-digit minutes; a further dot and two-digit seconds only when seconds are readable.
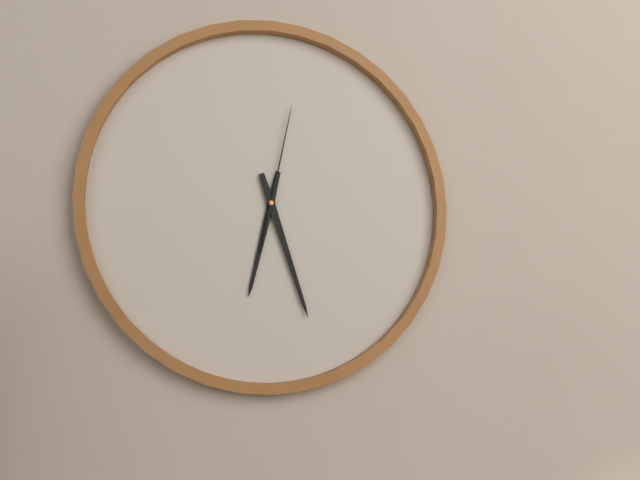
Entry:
6.27.02
